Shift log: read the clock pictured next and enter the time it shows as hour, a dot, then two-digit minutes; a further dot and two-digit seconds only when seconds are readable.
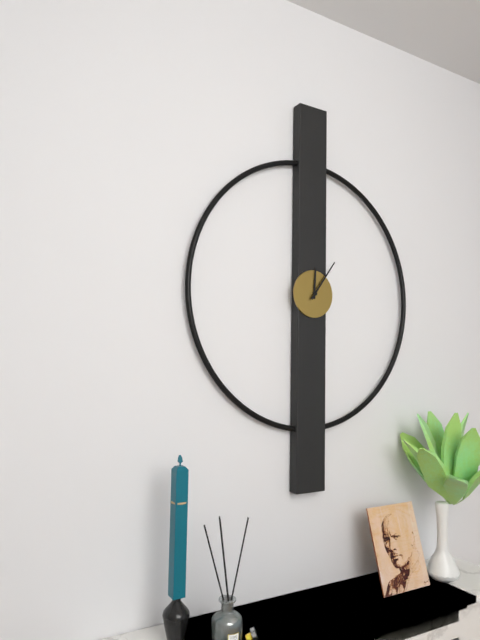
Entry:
12.06
